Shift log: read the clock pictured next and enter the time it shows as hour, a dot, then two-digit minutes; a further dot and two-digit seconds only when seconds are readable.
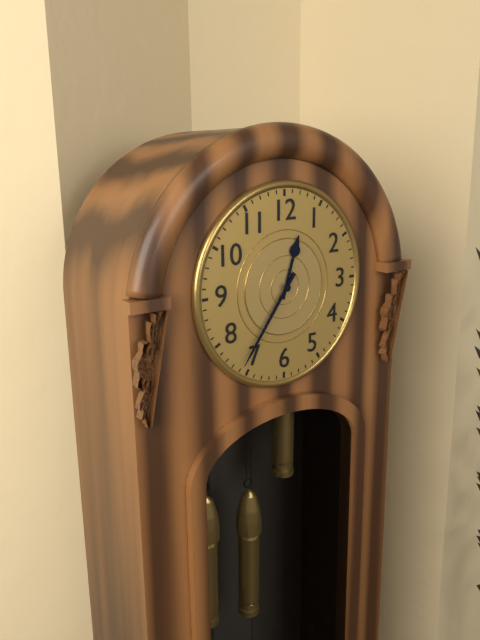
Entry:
12.36
